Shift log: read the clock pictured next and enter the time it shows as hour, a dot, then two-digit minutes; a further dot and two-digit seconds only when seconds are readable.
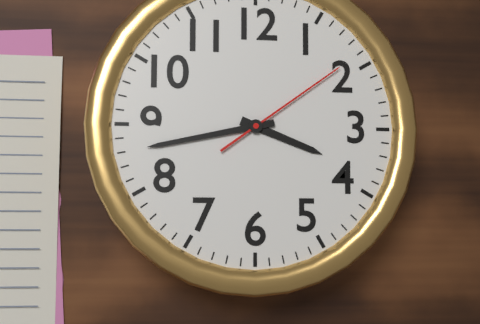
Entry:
3.43.09
